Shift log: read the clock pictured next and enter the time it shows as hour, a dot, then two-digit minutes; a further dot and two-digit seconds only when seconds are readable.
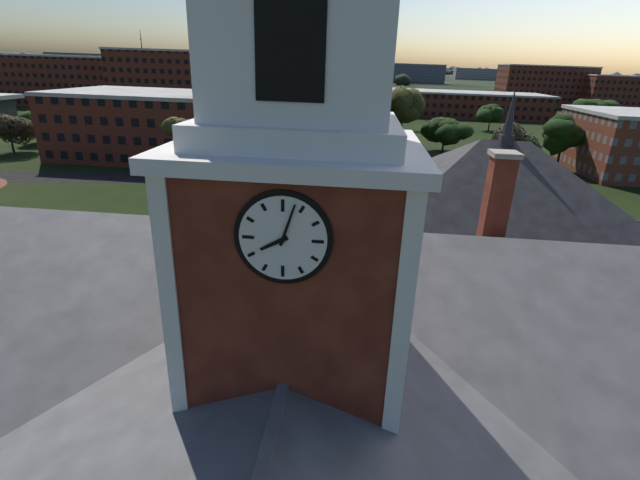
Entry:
8.03
